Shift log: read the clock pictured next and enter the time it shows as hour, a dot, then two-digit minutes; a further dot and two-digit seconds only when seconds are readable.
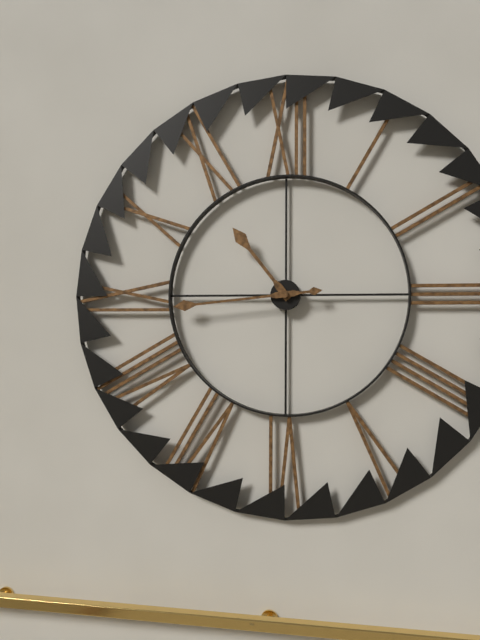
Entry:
10.44
